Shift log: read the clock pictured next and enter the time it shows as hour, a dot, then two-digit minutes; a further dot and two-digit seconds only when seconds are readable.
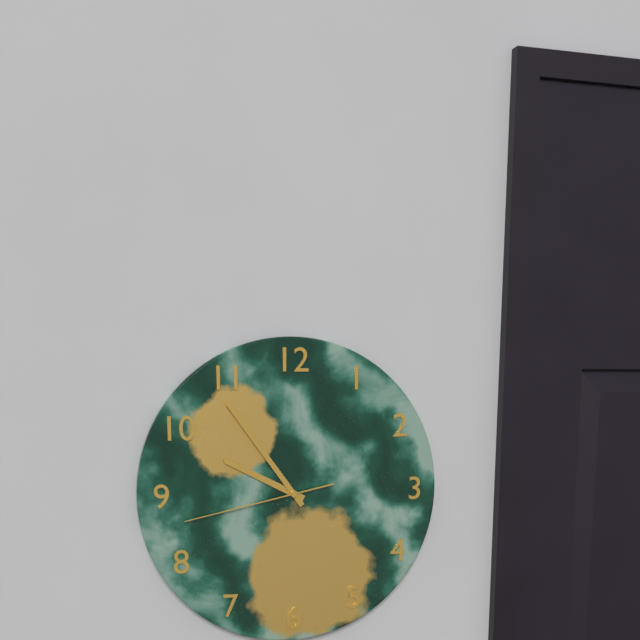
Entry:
9.54.43
